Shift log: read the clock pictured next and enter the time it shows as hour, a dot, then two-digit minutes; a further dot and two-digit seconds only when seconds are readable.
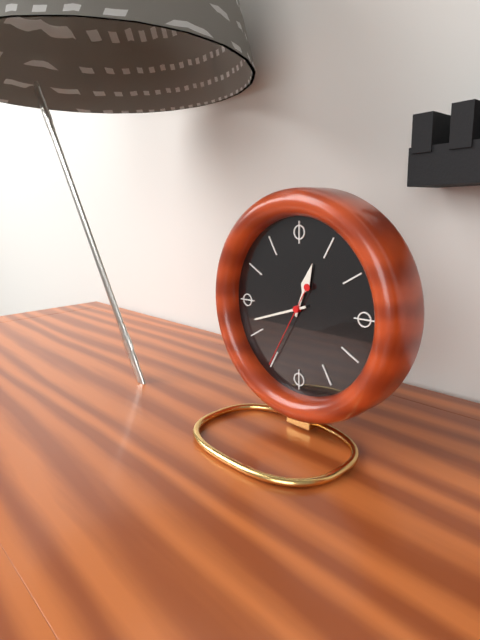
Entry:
12.42.35
